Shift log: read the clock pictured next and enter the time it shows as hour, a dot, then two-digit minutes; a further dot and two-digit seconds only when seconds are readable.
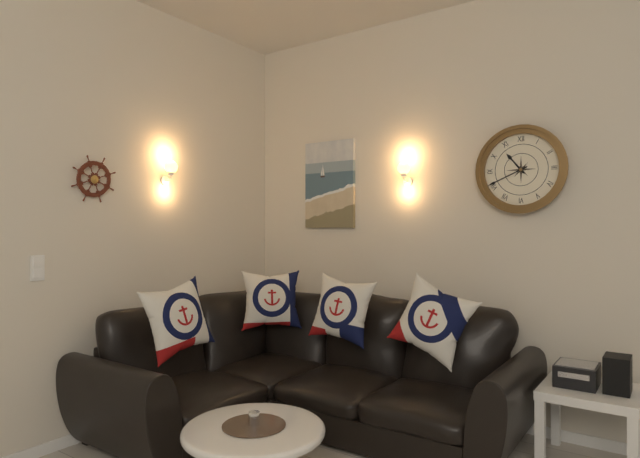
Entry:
10.41
